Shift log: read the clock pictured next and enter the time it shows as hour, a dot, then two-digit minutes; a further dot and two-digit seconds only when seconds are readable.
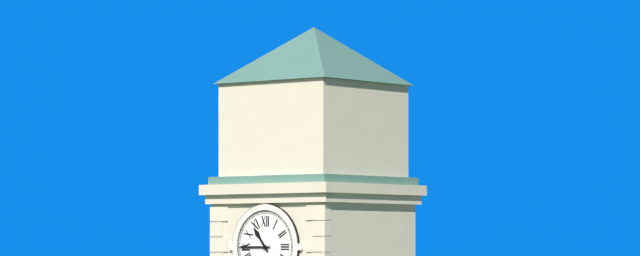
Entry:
10.45
